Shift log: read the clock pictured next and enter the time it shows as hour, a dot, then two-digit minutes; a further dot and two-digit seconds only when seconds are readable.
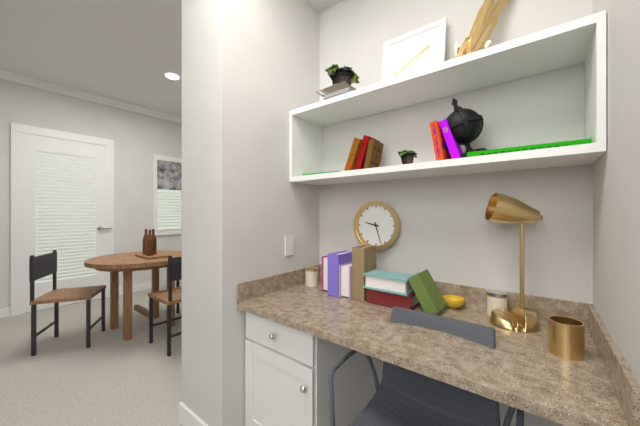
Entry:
9.27
